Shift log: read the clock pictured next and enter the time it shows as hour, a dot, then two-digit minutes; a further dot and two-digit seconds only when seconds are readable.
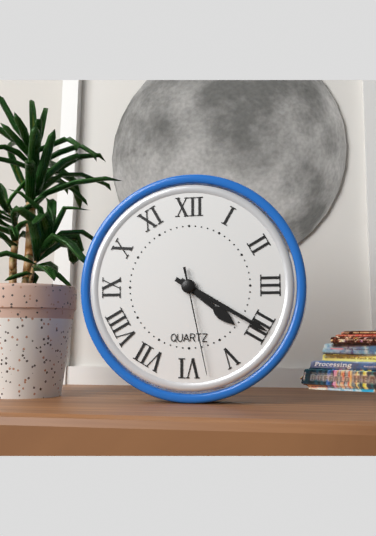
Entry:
4.20.28
